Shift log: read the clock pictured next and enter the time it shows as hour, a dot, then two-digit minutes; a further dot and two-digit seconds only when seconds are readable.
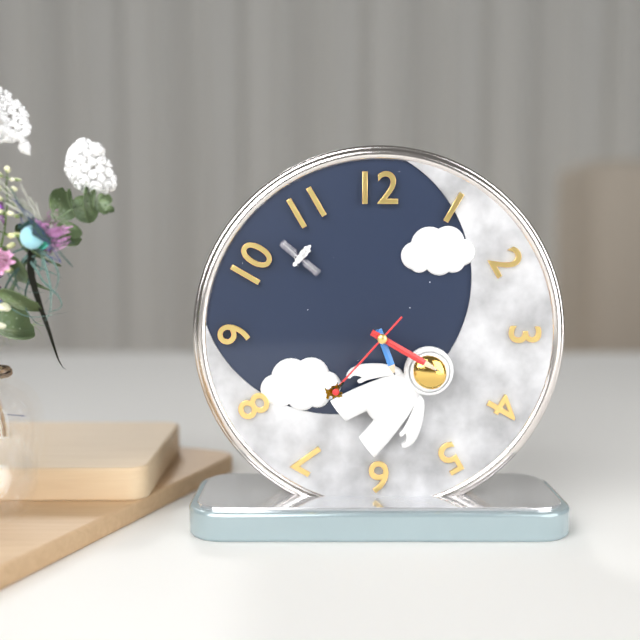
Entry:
5.20.37
